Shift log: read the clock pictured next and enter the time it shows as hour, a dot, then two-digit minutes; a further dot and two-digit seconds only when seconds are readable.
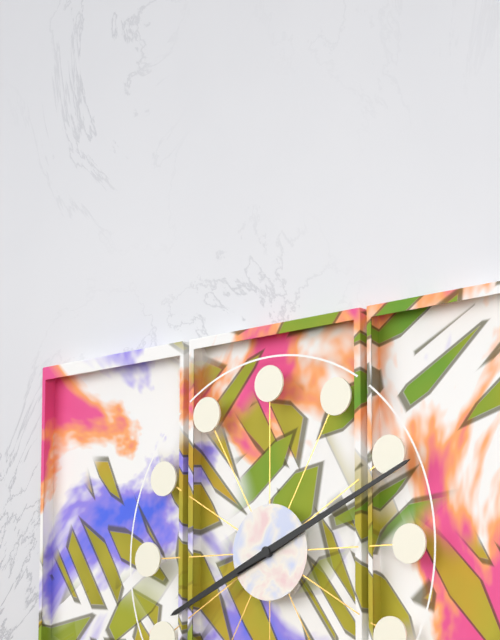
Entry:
8.11
